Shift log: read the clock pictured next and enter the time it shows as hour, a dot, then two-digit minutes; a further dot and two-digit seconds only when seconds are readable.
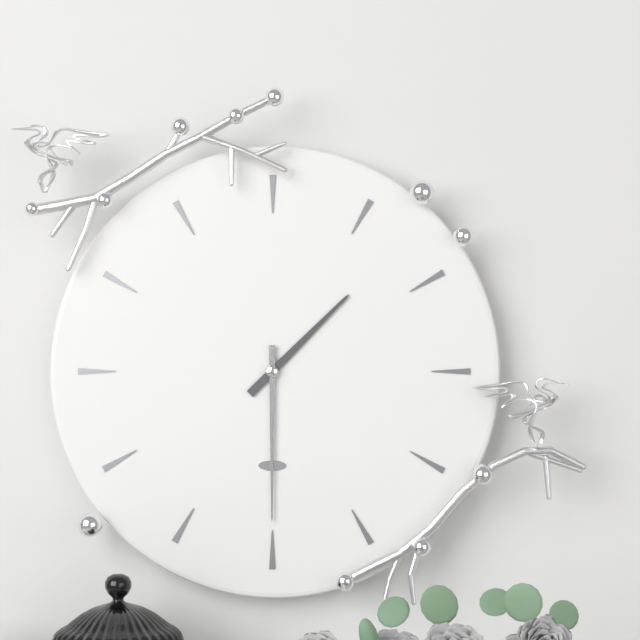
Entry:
1.30
